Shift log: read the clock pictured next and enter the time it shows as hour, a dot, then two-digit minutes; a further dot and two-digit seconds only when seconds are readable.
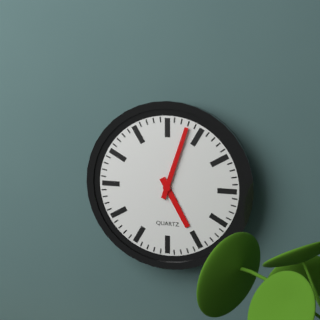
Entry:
5.03
